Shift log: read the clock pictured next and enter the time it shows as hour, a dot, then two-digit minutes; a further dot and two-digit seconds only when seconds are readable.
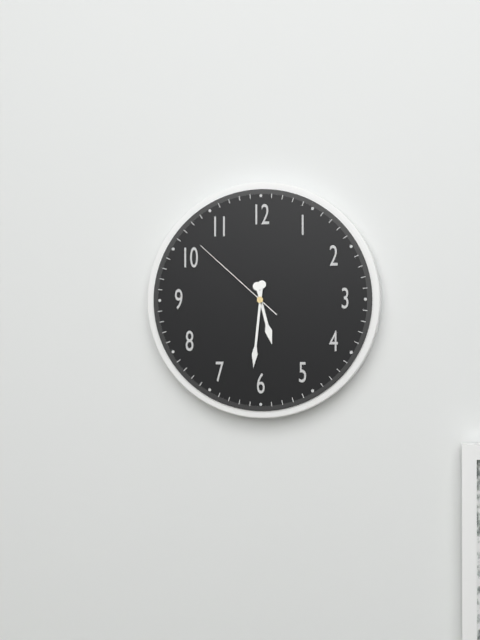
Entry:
5.31.52
